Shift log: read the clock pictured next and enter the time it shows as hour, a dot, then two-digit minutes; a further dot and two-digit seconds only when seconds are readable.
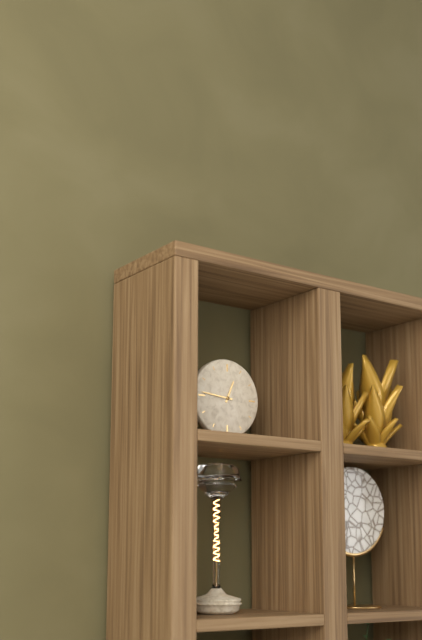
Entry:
12.46
